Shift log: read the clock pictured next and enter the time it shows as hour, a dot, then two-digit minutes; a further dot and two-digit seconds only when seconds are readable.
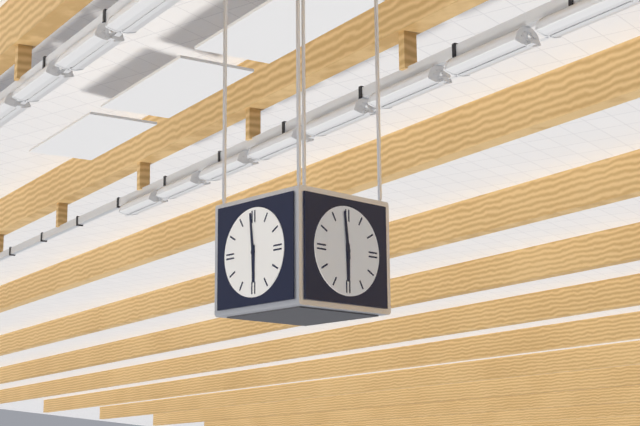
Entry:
5.59
